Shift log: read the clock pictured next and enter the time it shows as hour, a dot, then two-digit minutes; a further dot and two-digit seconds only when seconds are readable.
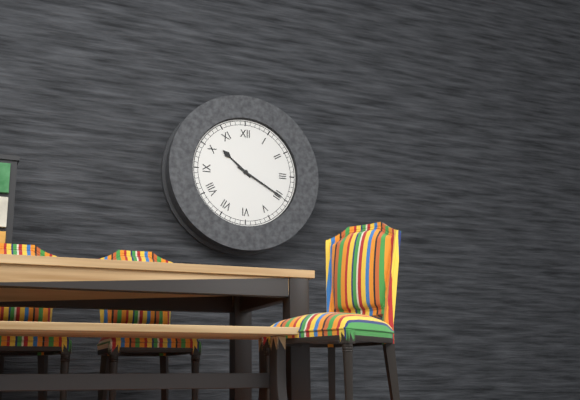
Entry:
10.20
